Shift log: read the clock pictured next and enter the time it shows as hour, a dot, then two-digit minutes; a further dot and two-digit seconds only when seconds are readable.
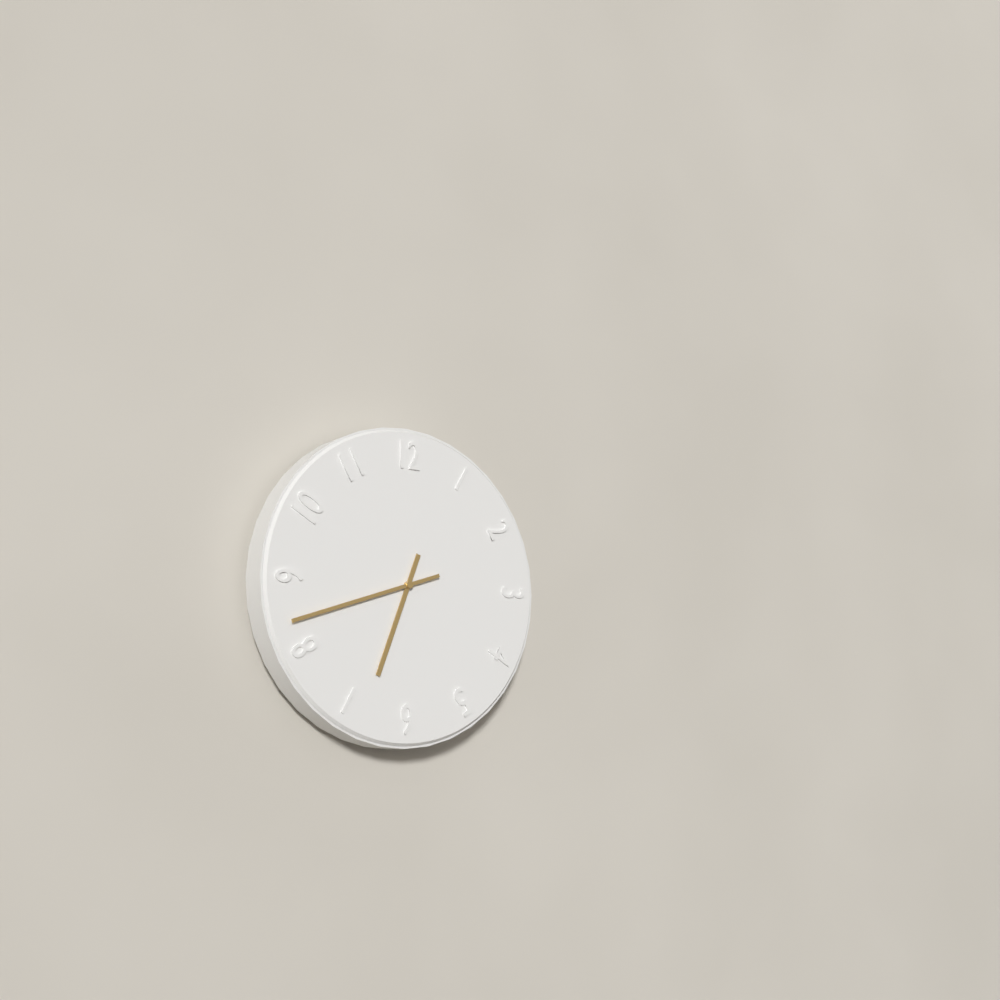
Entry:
6.42
